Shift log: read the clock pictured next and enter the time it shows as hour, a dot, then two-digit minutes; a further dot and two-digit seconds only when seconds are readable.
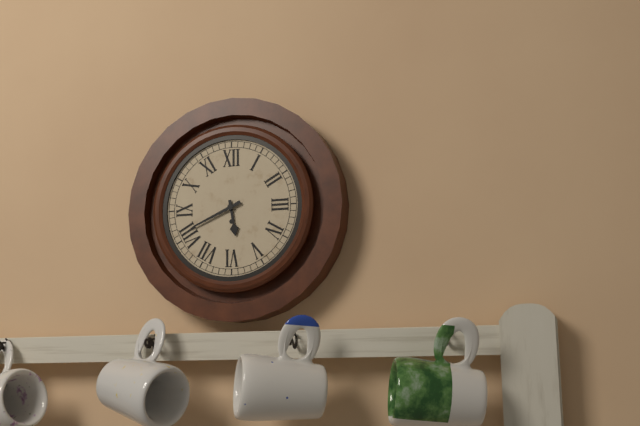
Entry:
5.41
